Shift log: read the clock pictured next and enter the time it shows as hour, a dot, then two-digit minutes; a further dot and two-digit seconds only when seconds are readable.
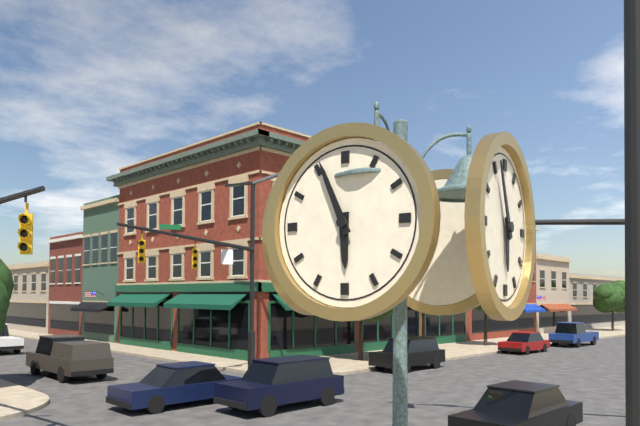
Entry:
5.56
